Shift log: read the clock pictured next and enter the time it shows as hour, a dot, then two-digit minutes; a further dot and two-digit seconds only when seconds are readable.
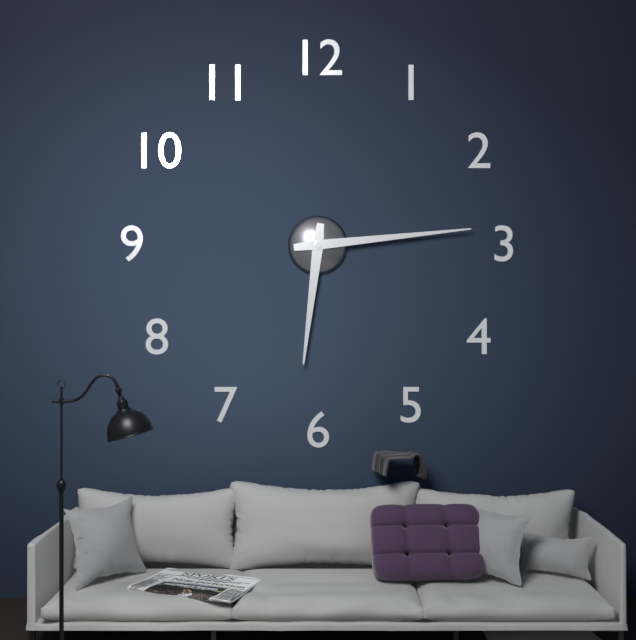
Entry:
6.14
